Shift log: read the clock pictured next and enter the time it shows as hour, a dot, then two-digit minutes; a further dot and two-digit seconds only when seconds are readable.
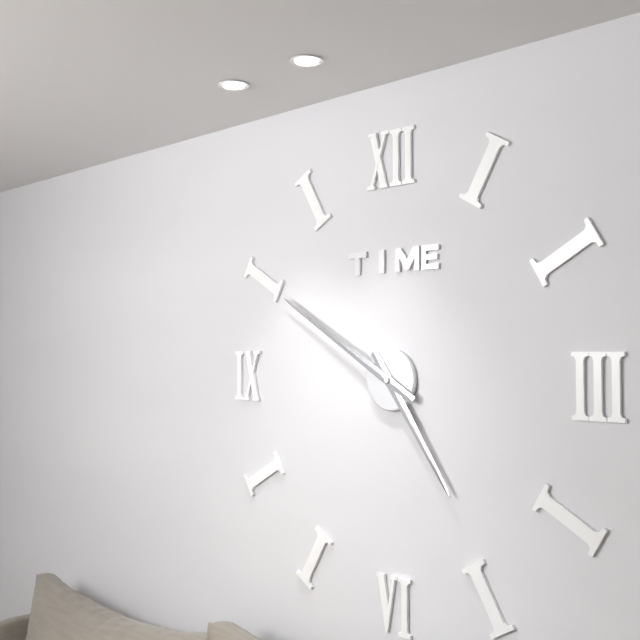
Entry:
4.50
